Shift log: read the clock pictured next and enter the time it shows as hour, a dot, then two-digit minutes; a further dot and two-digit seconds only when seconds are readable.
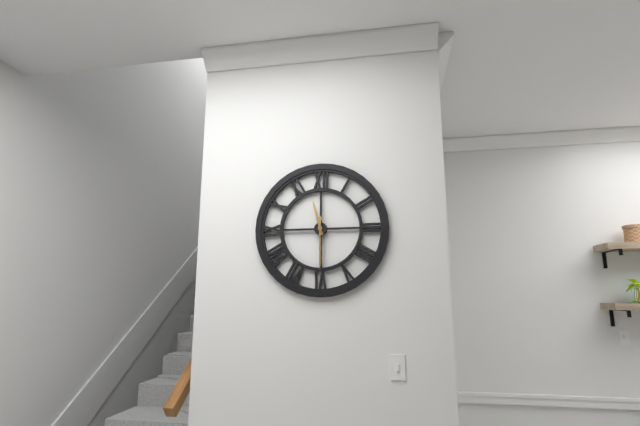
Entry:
11.30
